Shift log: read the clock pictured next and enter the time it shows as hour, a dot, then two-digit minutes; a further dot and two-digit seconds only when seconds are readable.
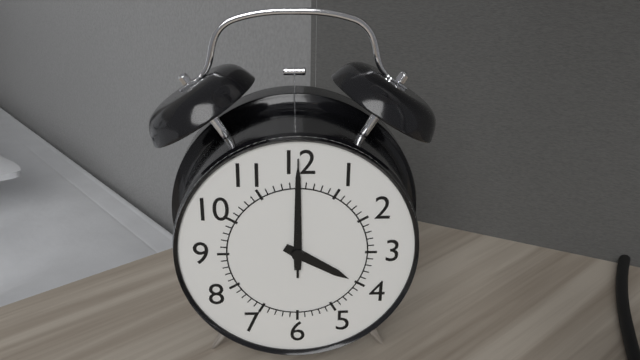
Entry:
4.00.00
